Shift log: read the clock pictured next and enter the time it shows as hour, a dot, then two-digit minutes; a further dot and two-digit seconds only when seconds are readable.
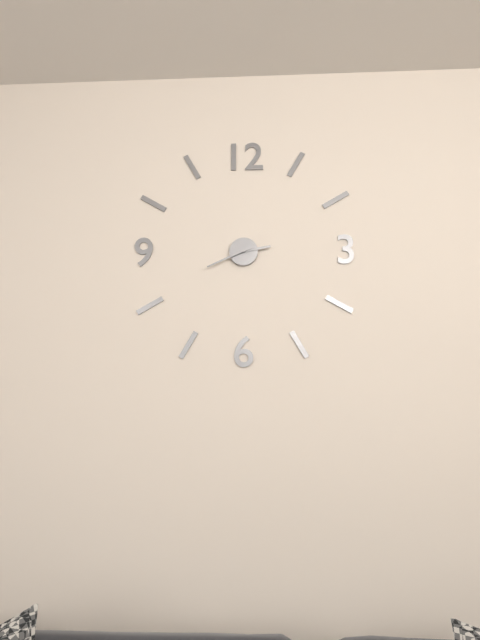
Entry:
2.41
